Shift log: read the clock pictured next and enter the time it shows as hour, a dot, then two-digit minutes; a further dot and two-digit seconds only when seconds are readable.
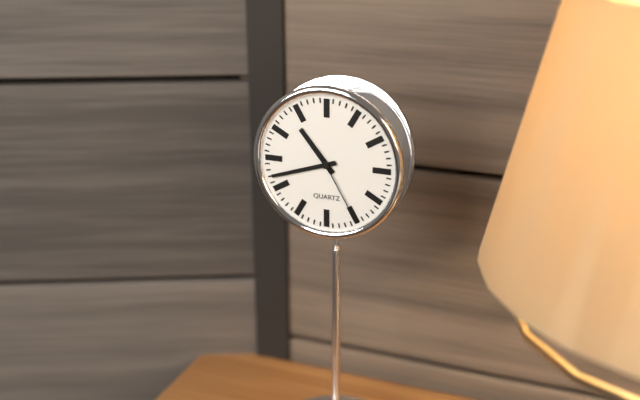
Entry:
10.42.25
